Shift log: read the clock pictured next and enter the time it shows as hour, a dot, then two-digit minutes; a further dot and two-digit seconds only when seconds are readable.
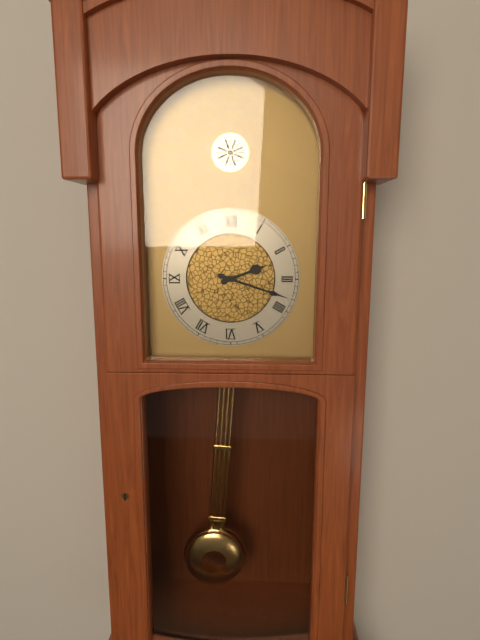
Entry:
2.18
